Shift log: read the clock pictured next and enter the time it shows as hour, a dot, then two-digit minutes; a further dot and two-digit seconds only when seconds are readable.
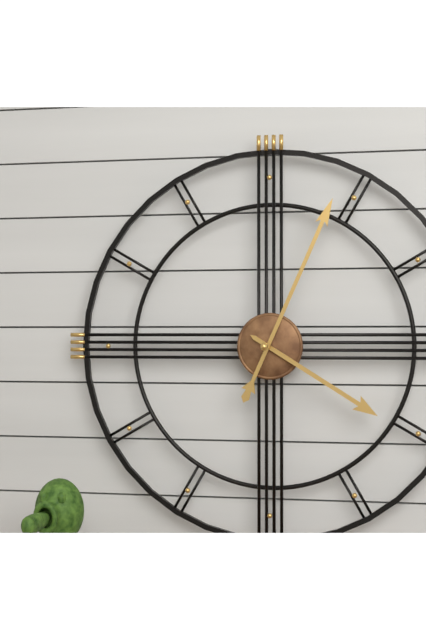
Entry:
4.04
